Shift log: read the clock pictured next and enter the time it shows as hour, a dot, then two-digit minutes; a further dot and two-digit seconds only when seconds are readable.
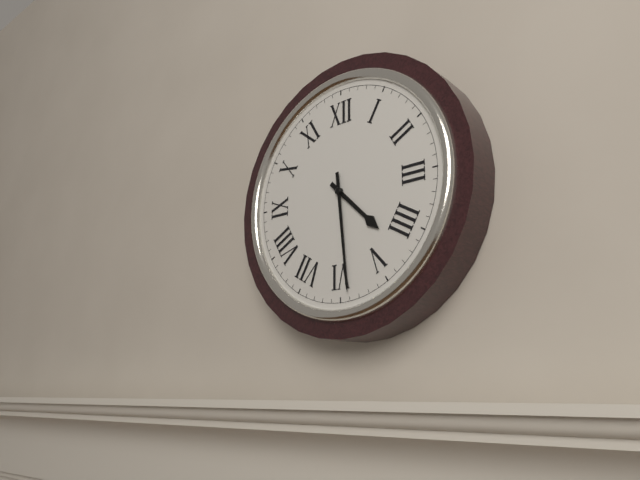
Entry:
4.29
